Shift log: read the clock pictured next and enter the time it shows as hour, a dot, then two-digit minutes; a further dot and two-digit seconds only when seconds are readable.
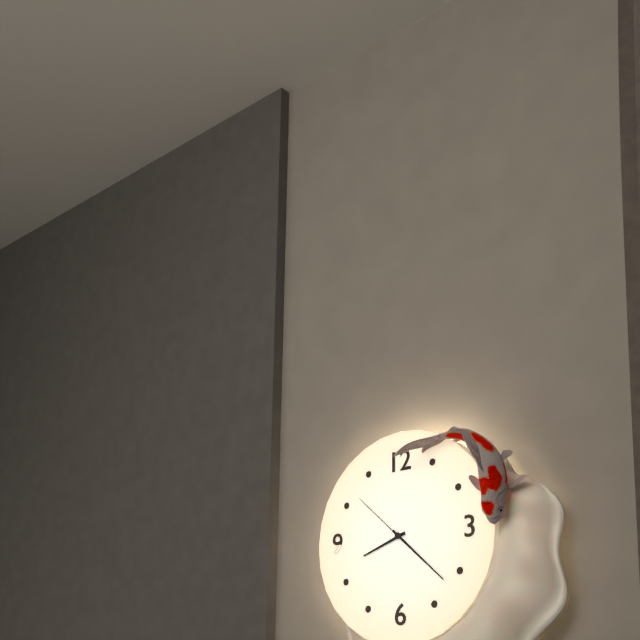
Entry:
8.22.52
